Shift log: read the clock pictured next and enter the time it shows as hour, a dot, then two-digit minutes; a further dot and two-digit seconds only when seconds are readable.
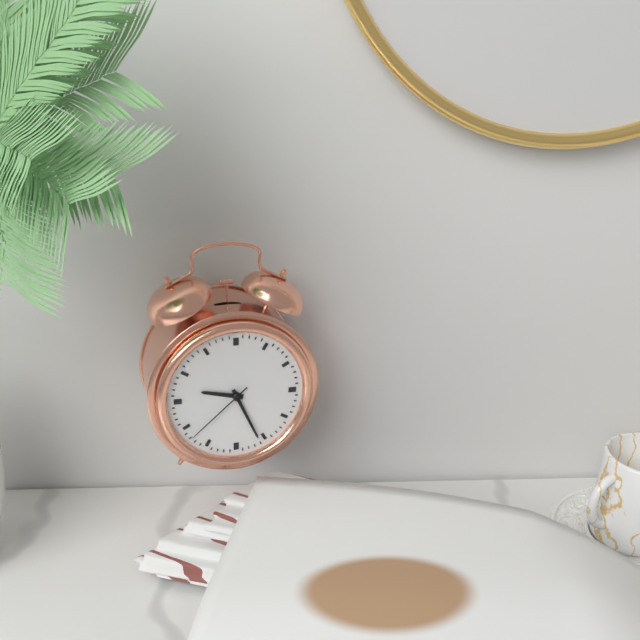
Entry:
9.26.38
